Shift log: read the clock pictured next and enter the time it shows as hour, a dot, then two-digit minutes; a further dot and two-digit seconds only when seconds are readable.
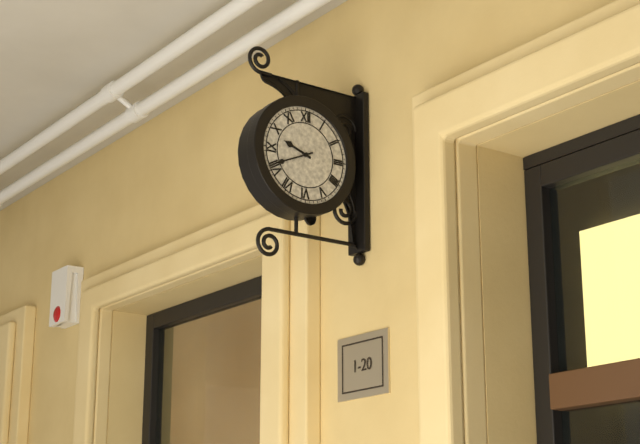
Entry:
9.41
